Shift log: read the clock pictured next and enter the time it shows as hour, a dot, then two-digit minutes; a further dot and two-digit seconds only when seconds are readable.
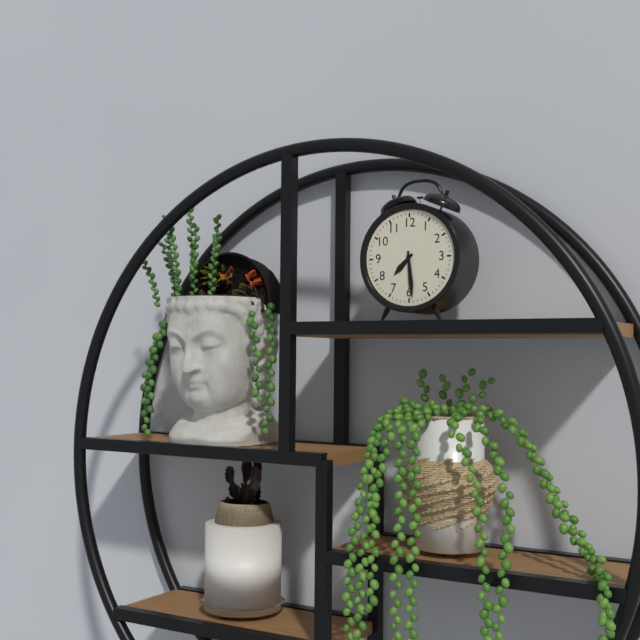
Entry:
7.29
